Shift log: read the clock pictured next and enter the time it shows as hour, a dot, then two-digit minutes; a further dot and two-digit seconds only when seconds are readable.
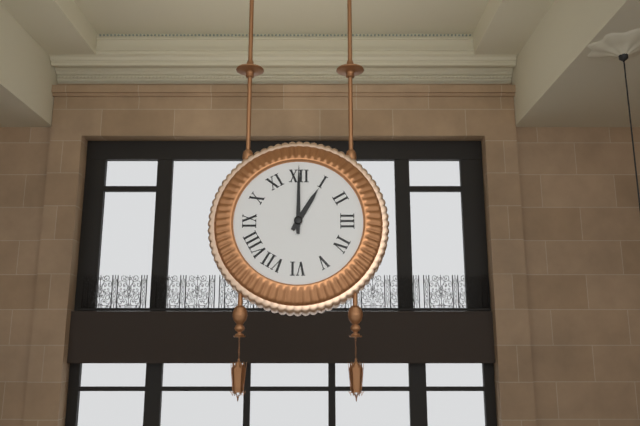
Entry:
1.00
